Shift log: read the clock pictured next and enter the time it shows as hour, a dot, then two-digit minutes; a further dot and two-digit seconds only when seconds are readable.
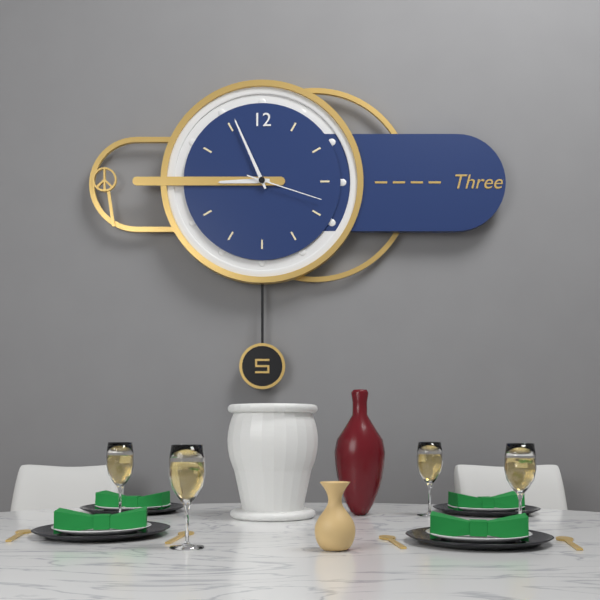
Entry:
8.56.18
